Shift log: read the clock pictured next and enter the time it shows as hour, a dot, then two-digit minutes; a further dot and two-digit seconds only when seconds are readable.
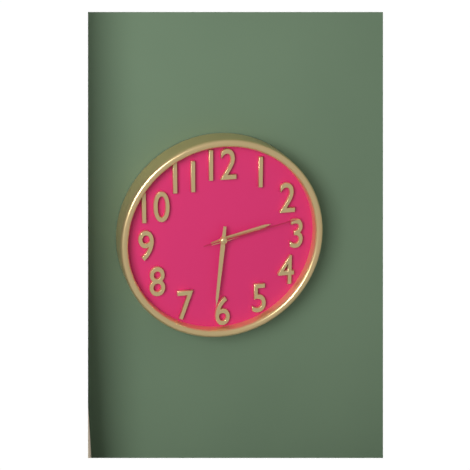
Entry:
2.31.13
